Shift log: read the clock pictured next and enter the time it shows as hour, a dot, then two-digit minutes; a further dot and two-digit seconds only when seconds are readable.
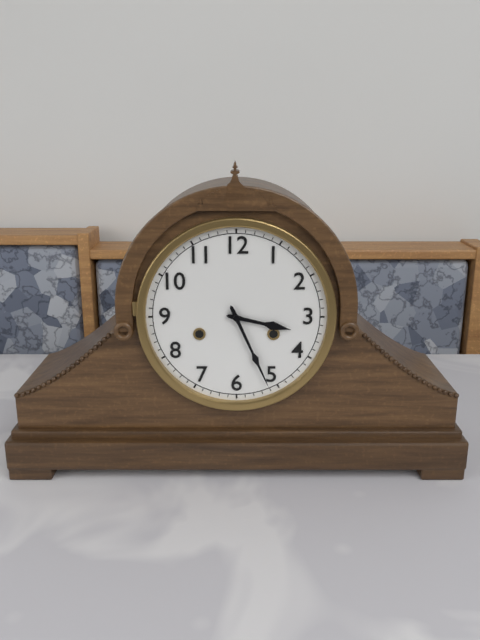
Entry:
3.26
